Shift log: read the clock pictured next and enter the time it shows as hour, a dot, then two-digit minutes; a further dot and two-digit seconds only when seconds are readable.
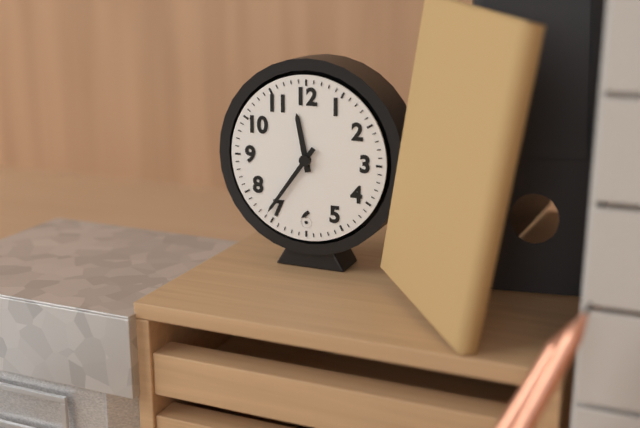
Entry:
11.36
